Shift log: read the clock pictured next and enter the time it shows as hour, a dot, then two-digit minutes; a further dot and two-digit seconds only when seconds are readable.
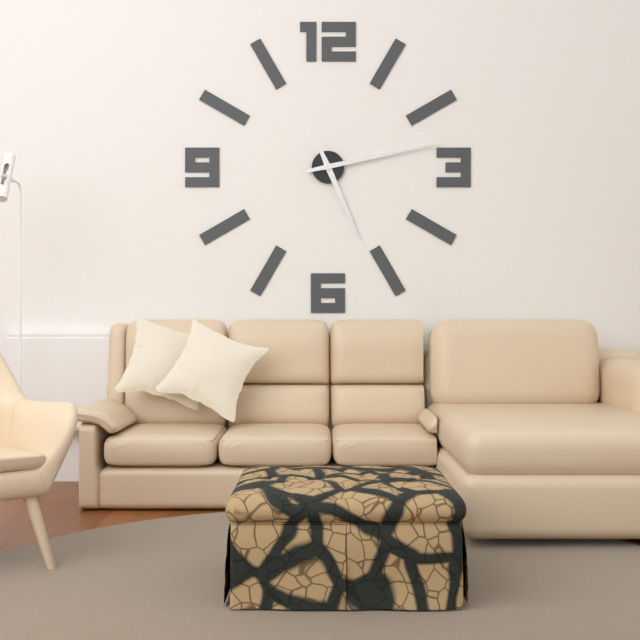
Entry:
5.13
